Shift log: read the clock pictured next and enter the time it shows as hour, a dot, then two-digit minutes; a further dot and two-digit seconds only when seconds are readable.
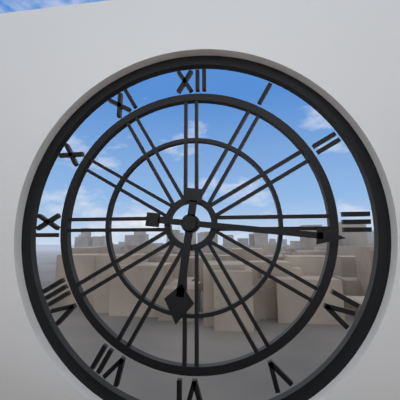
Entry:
6.16
